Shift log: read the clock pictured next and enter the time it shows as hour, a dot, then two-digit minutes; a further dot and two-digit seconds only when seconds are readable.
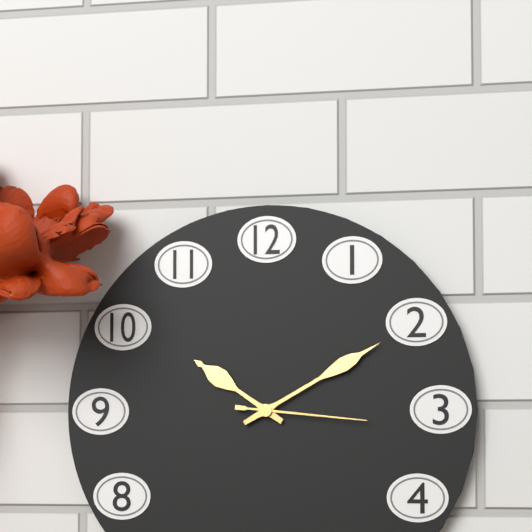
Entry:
10.10.16
